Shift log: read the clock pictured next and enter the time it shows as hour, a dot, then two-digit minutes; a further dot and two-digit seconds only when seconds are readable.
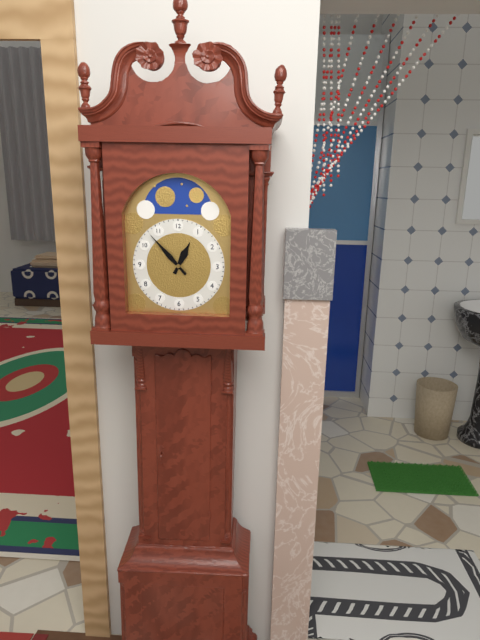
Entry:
12.53
